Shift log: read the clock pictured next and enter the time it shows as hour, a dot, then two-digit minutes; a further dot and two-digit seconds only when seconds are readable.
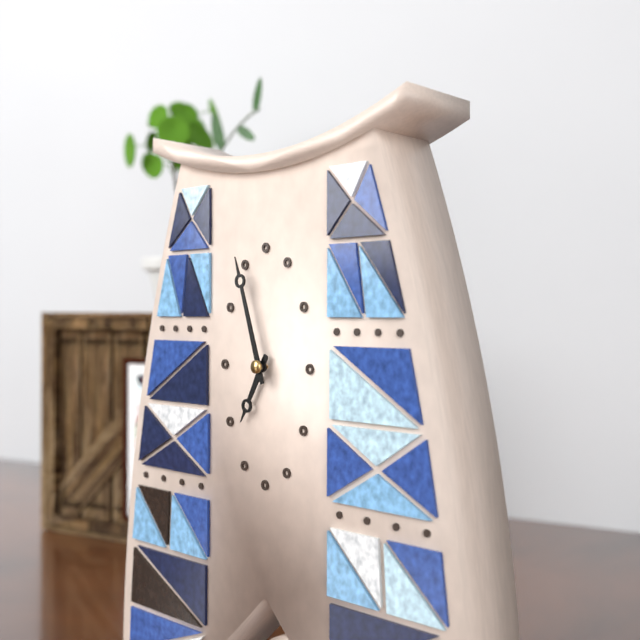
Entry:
6.57
